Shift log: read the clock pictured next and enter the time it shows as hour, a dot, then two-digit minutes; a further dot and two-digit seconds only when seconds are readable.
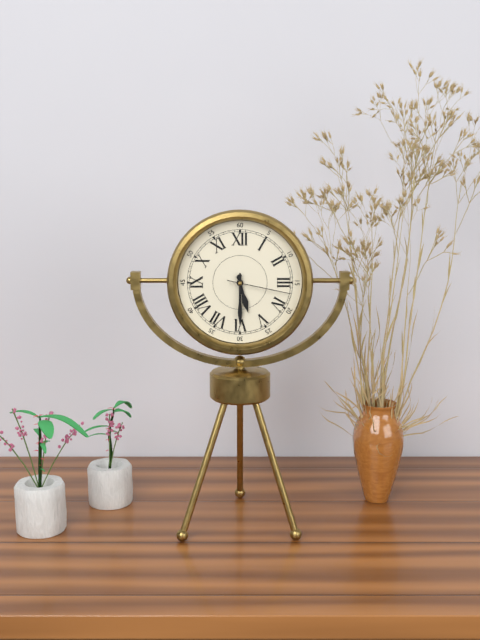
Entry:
5.30.17
